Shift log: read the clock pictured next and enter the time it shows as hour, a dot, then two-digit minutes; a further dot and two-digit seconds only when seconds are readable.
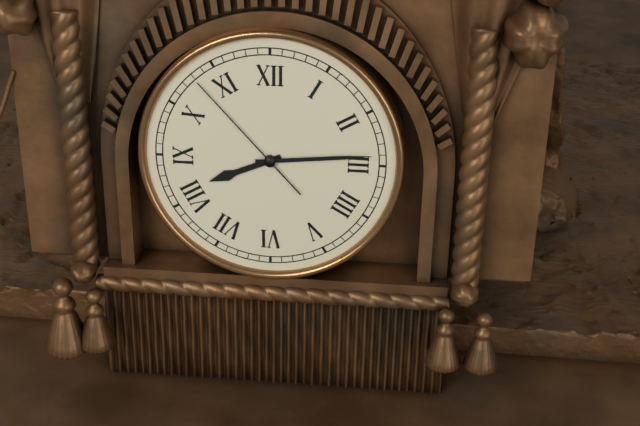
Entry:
8.14.53
